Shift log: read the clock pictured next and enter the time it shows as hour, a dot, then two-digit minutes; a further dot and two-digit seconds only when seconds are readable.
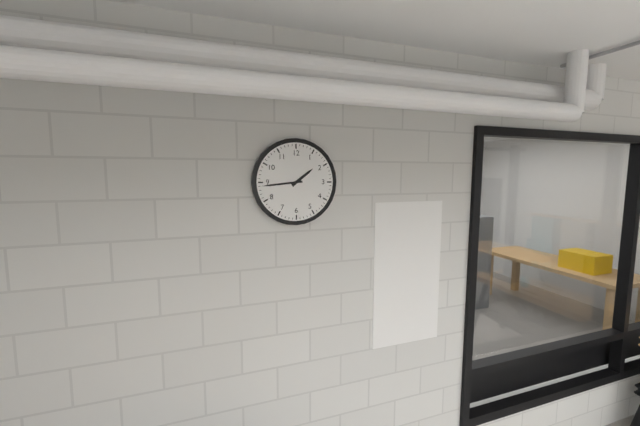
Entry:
1.44
